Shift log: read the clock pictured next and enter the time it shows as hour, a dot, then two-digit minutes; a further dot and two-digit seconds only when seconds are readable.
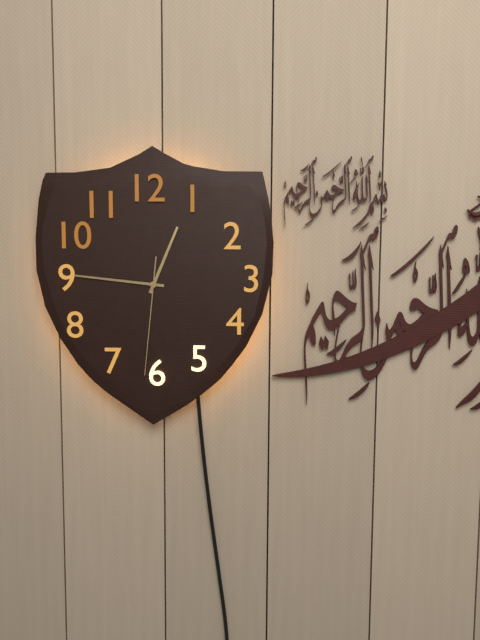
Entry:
12.46.31
